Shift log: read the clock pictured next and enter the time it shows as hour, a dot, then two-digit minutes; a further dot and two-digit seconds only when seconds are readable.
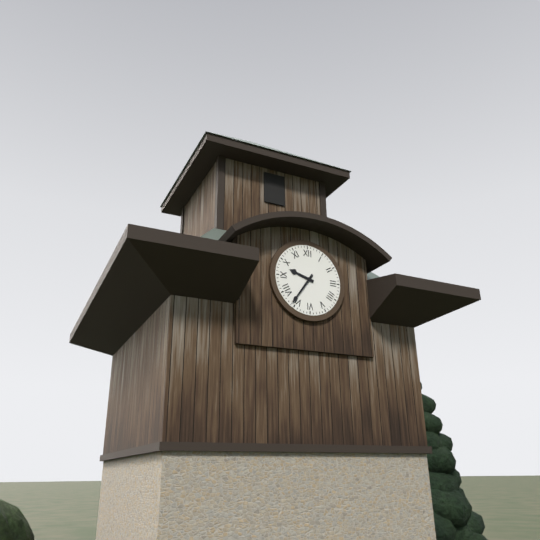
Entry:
9.36
